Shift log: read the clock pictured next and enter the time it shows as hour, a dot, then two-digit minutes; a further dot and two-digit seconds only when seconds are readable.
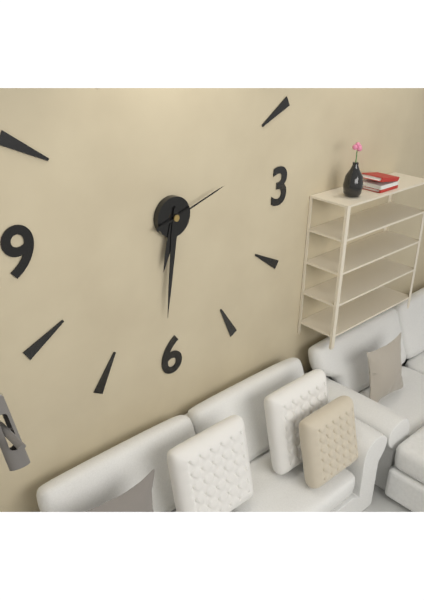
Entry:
6.31.12
